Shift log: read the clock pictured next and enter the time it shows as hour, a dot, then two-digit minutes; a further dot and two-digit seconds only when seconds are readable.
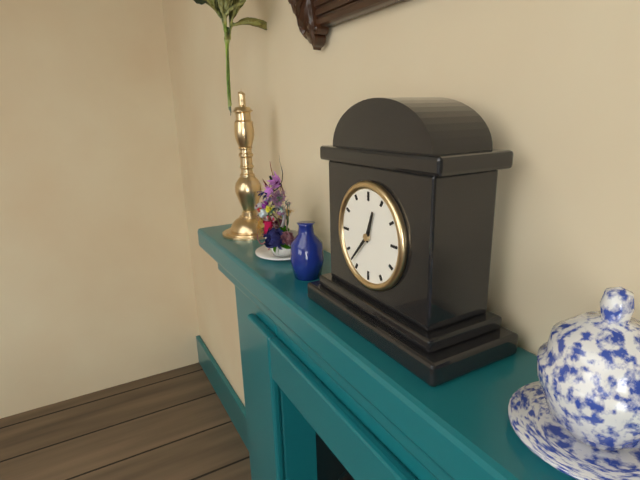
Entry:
12.37
